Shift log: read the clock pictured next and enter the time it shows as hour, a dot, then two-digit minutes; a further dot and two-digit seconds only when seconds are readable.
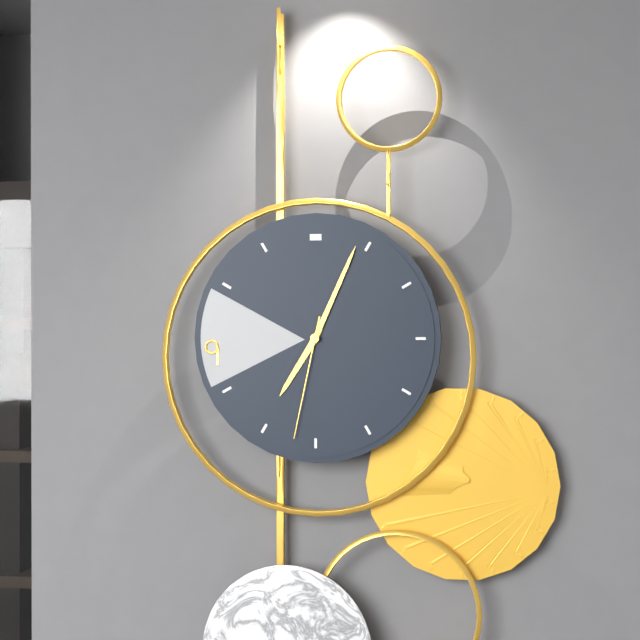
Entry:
7.04.32
